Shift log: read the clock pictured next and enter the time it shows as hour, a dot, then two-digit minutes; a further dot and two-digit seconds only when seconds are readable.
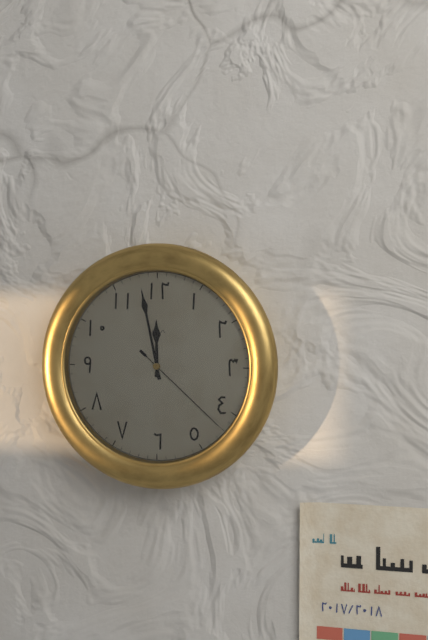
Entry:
11.58.22
